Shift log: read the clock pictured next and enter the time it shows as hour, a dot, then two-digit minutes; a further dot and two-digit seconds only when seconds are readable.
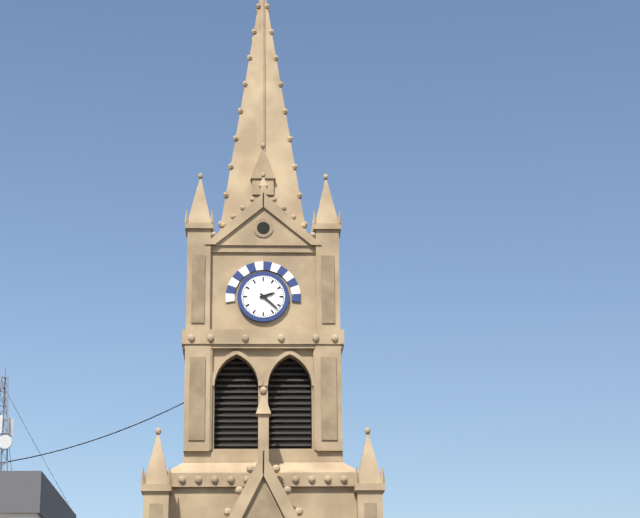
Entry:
2.22
